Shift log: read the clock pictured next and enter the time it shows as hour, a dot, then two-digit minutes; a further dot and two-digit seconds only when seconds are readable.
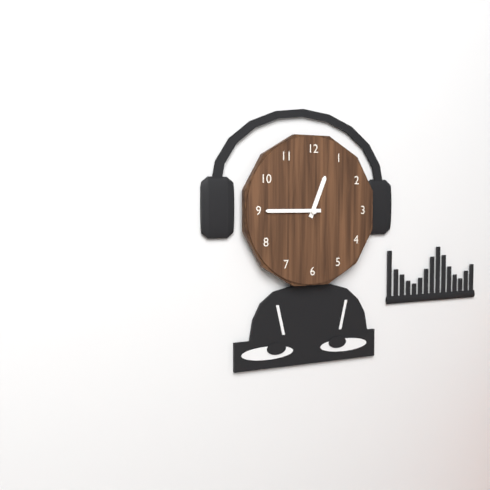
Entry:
12.45
